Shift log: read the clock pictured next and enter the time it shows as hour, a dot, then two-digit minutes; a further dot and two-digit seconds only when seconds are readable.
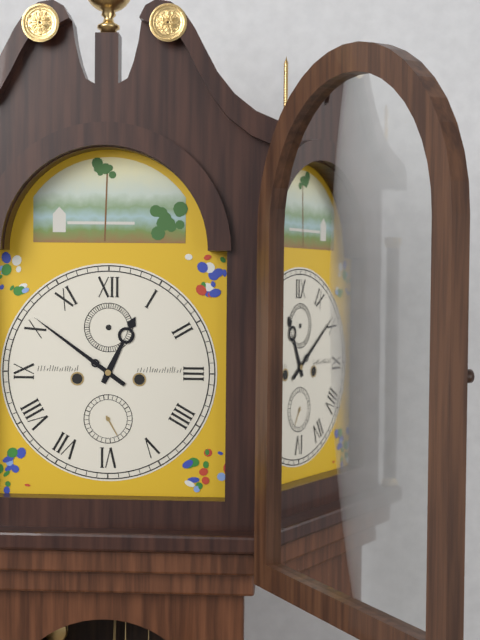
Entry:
12.51
